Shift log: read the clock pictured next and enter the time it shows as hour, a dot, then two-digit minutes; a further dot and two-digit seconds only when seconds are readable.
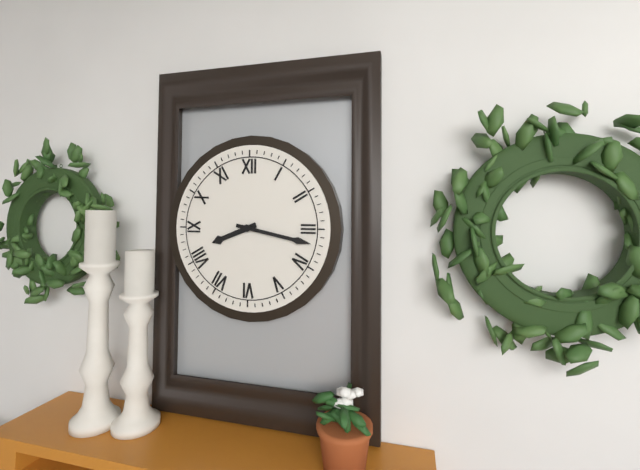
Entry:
8.17
